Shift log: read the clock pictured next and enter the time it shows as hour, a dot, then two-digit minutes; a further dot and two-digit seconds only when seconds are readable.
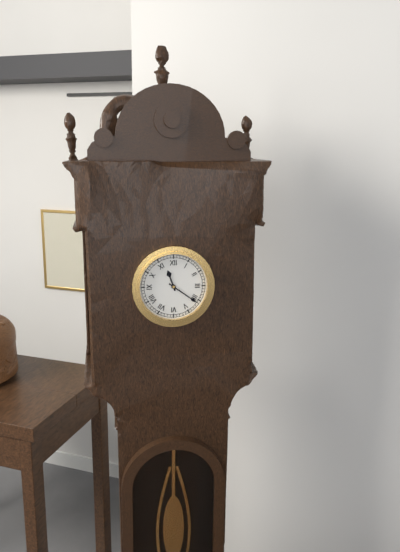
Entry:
11.21
